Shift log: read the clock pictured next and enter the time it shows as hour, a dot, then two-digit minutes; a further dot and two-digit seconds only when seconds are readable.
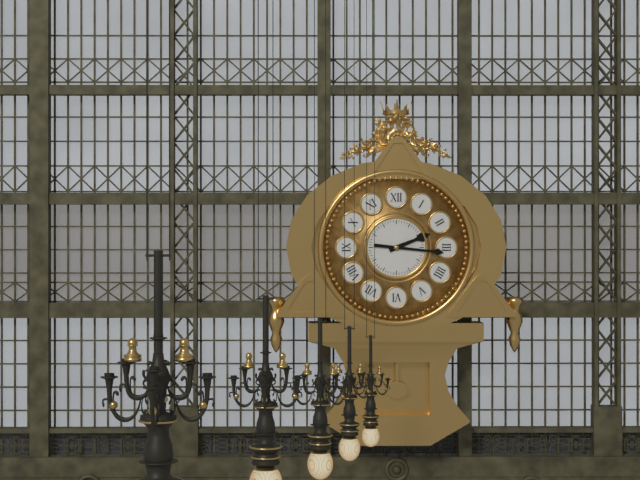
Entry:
2.16
